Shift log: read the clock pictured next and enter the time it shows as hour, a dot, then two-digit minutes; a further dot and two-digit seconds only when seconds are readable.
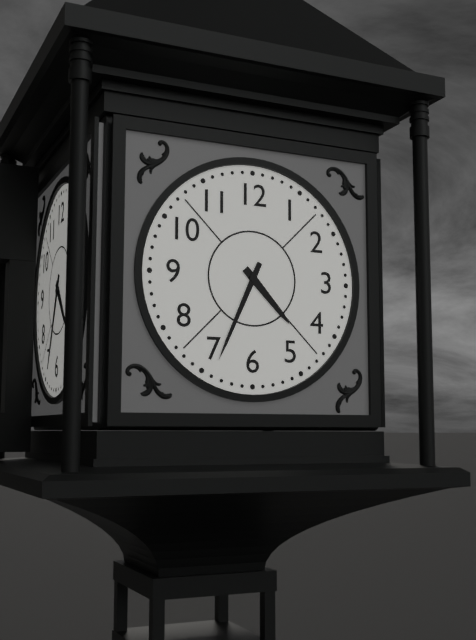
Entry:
4.34
